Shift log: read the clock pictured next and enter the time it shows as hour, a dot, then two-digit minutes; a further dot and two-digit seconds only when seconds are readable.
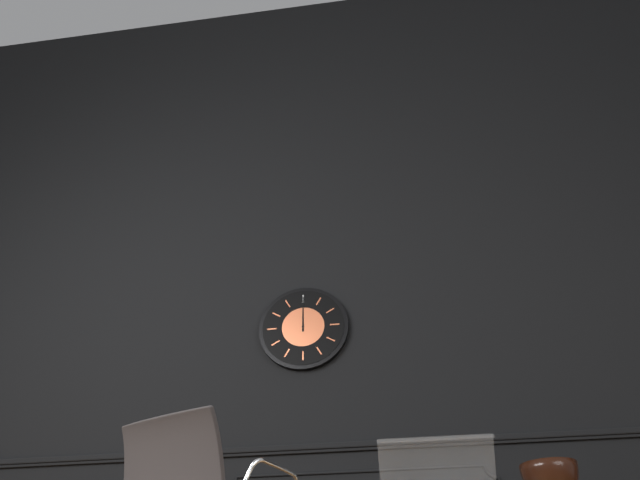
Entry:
12.00
